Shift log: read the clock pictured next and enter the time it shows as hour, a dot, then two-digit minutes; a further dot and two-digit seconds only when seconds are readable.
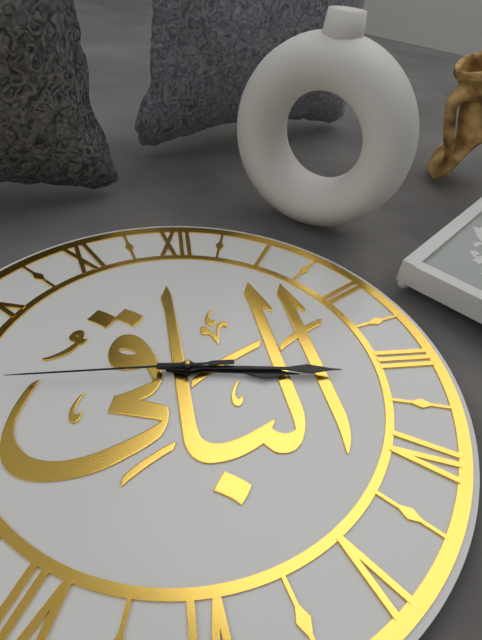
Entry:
3.16.45
